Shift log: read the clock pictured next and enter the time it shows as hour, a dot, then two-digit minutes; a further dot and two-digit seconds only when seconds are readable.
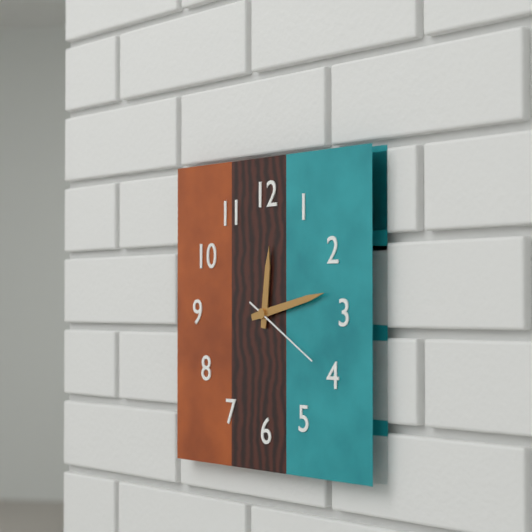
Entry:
12.13.20
